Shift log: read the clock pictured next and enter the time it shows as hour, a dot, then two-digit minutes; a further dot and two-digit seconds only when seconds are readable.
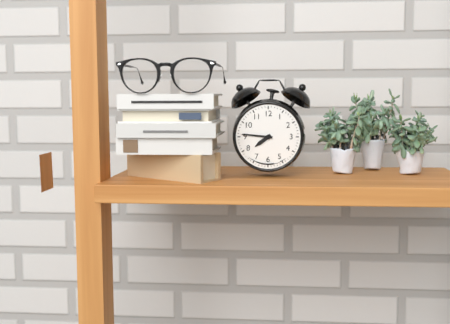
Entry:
7.46
